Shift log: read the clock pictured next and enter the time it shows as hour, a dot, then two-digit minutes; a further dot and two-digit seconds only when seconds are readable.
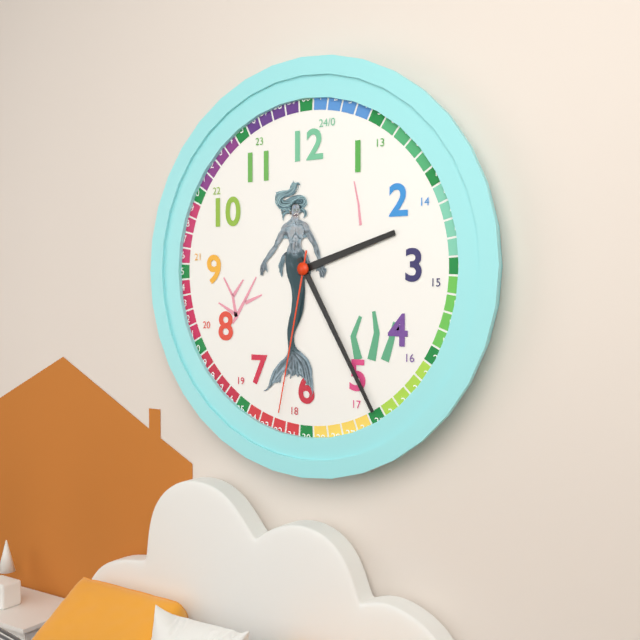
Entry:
2.25.32
